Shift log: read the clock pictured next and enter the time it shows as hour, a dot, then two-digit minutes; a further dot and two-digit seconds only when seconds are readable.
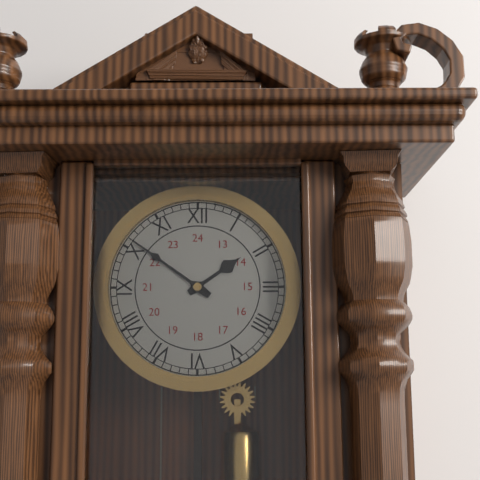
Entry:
1.51
